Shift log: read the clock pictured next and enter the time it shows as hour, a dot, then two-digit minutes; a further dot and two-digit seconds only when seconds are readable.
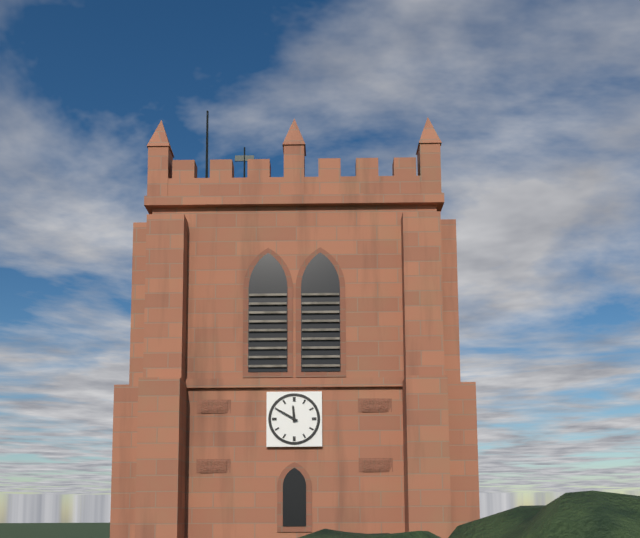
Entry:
11.50
